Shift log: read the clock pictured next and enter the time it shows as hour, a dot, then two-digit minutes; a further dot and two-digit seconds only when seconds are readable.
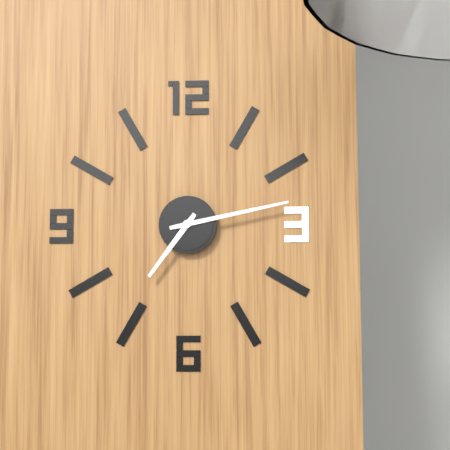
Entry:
7.13
